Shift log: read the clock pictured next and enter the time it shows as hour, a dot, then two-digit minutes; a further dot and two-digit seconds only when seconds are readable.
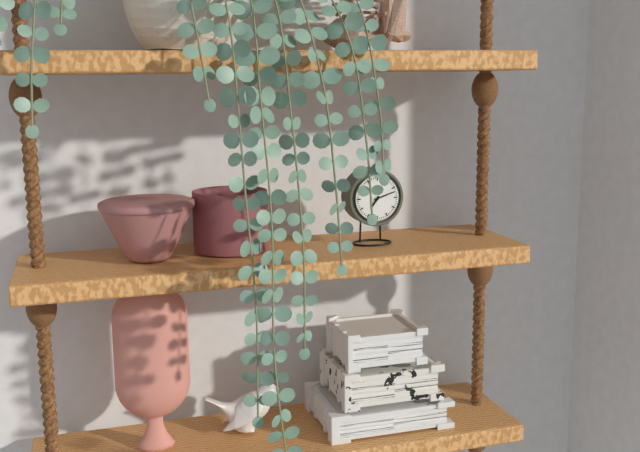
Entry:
7.12
